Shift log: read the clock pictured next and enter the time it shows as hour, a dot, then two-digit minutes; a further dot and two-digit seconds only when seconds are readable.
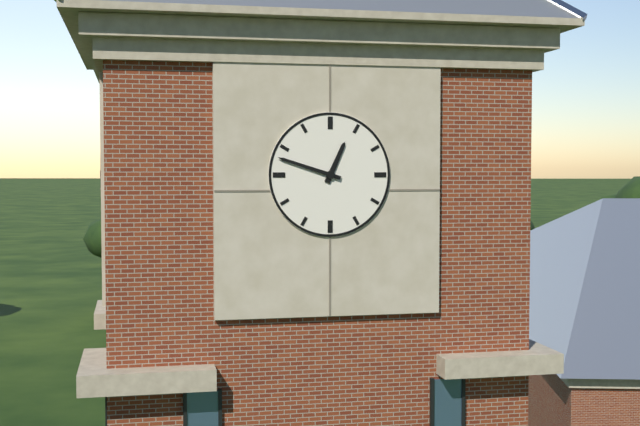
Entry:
12.48
